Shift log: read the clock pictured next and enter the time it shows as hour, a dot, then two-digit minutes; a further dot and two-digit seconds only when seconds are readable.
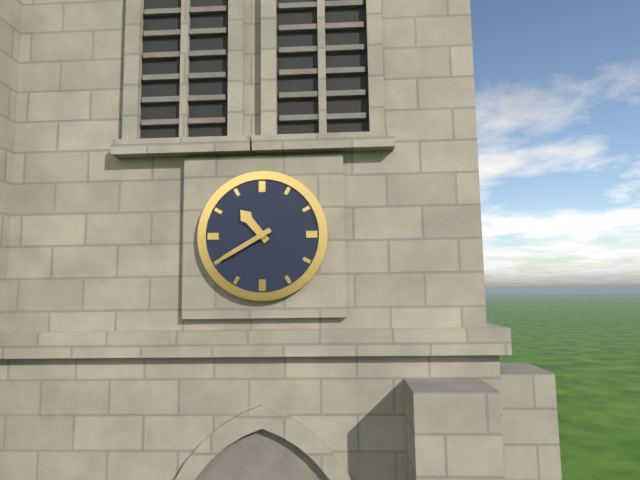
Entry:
10.40
